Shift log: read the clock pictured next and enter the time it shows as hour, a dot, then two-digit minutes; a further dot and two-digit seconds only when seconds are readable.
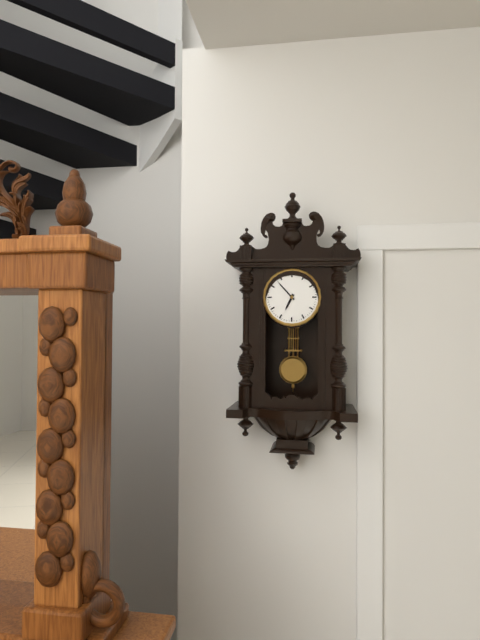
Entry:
6.53
